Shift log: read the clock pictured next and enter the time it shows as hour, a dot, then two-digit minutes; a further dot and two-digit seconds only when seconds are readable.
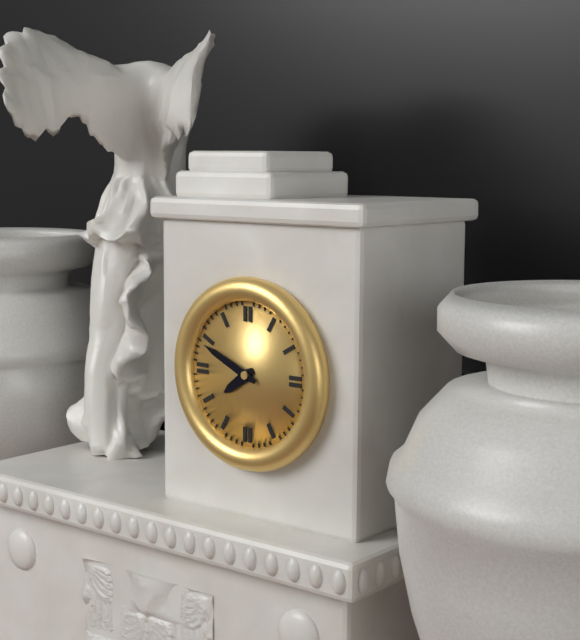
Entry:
7.49
